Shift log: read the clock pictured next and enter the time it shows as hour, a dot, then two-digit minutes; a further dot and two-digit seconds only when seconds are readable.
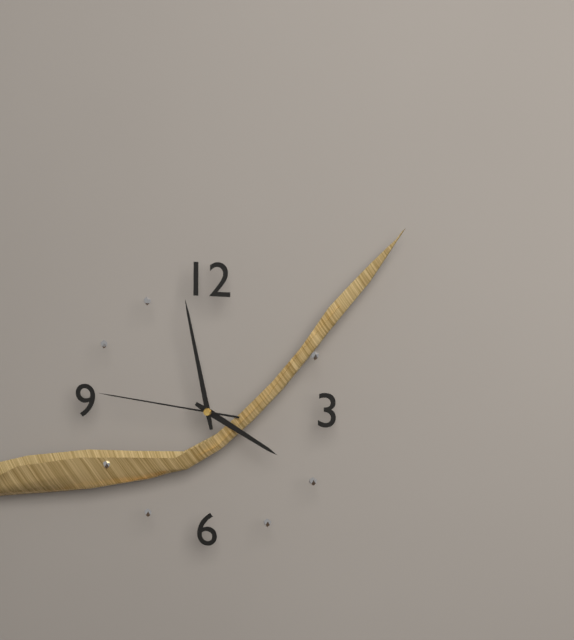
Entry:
3.58.46
